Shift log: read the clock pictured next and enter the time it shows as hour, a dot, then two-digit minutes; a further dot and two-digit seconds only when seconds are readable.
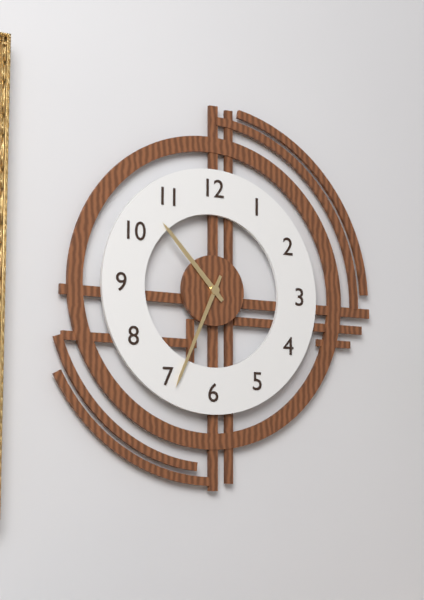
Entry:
10.34
